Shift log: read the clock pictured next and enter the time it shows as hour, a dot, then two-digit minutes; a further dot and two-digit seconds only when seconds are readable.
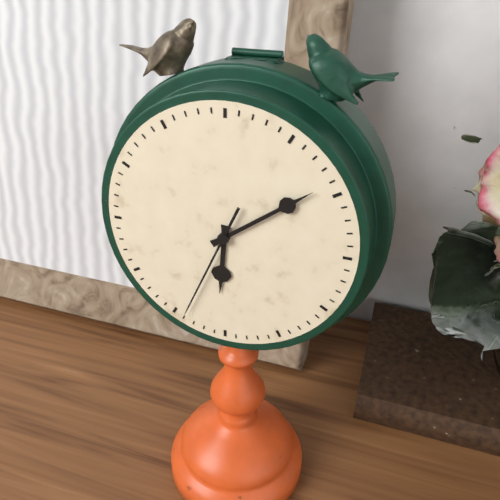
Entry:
6.09.34
